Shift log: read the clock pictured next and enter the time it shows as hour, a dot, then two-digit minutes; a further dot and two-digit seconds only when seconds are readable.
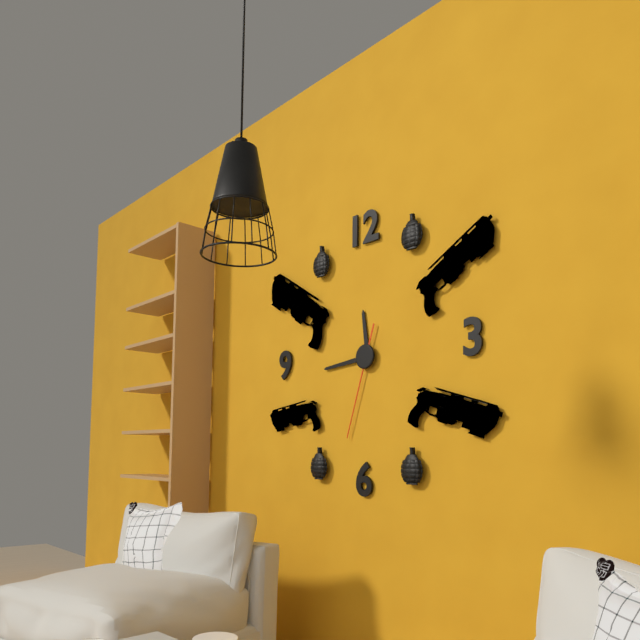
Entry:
11.44.33
